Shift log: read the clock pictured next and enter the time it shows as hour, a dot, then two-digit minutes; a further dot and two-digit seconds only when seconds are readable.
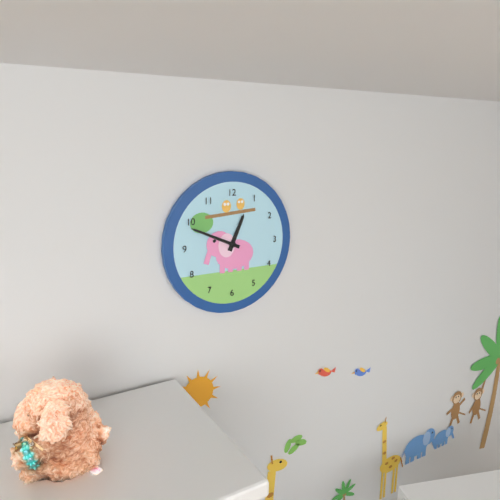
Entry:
12.49
